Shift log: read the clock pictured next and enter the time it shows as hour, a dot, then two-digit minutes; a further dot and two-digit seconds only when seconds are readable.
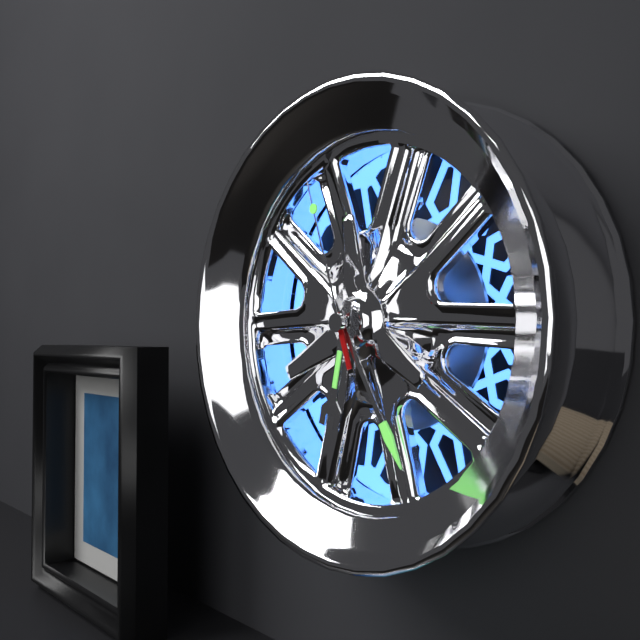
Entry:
6.25.57
